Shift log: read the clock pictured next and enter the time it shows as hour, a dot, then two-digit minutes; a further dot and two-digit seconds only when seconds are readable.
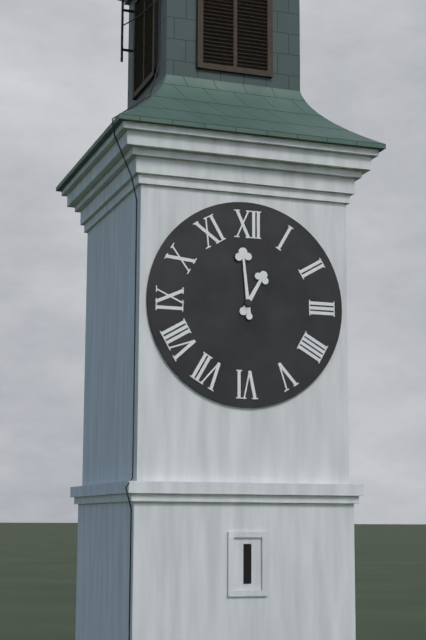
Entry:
12.59
